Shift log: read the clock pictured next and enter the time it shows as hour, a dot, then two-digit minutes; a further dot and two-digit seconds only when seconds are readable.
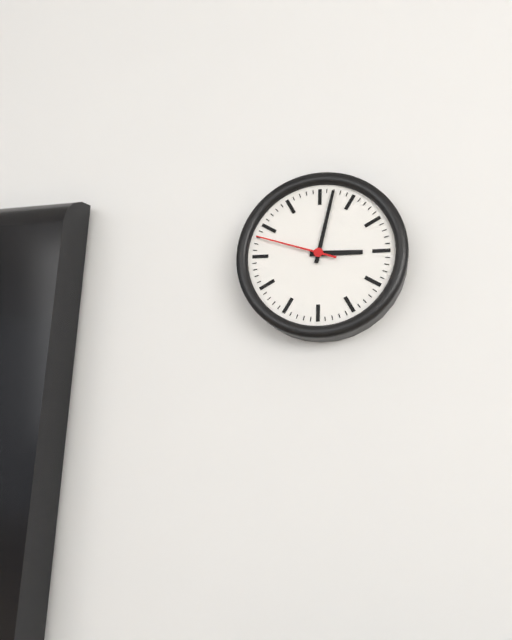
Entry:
3.02.48
